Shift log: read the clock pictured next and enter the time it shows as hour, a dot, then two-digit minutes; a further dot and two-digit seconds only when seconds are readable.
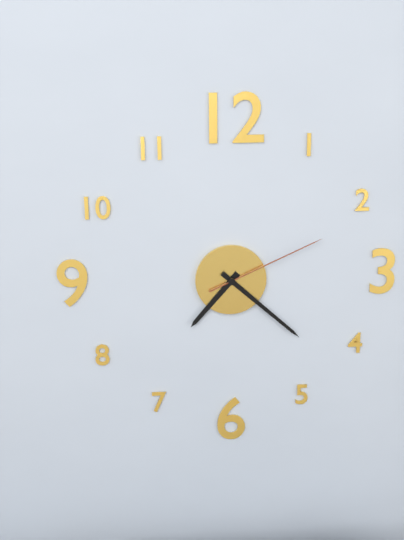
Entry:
7.22.11
